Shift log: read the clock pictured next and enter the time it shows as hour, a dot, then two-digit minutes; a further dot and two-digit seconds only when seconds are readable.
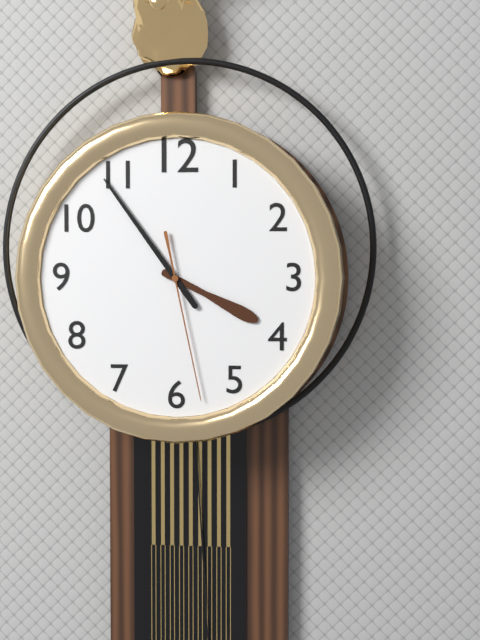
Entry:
3.54.28
